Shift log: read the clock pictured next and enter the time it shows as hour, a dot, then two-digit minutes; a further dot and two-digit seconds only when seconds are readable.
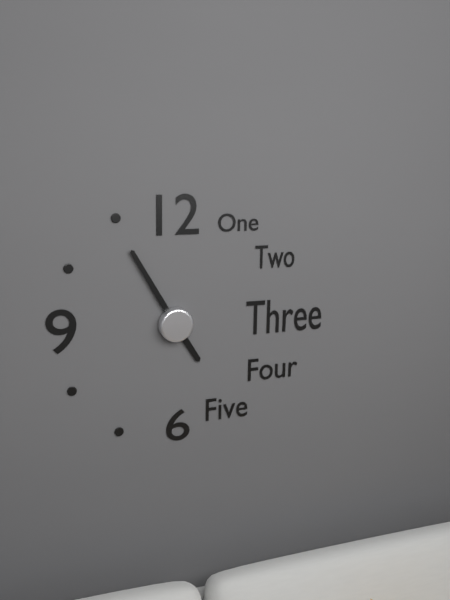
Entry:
4.55
